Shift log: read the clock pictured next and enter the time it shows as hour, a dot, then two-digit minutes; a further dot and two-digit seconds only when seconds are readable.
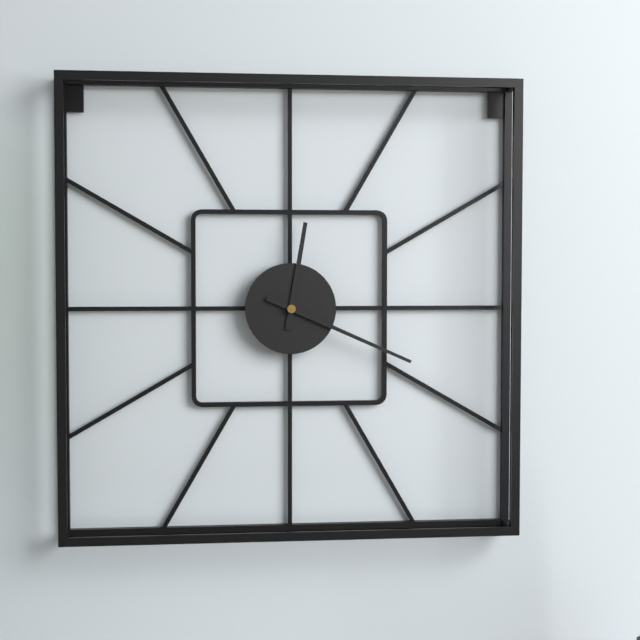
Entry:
12.19
